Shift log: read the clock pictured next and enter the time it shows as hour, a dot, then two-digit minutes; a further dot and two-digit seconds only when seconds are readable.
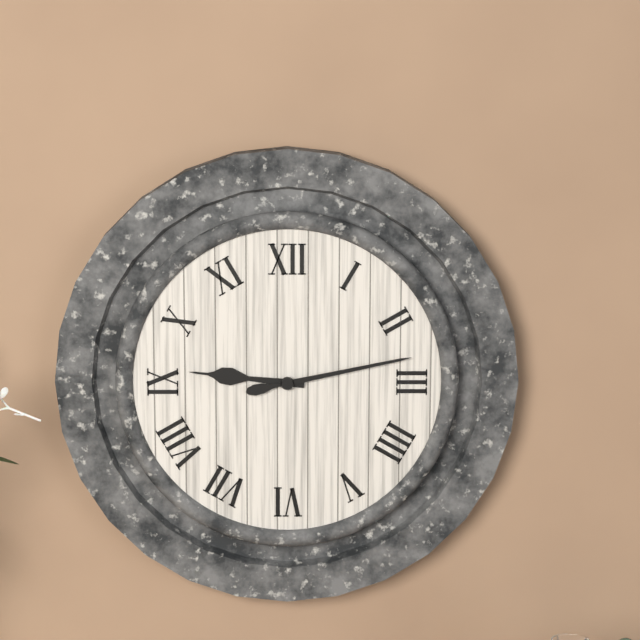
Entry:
9.13
